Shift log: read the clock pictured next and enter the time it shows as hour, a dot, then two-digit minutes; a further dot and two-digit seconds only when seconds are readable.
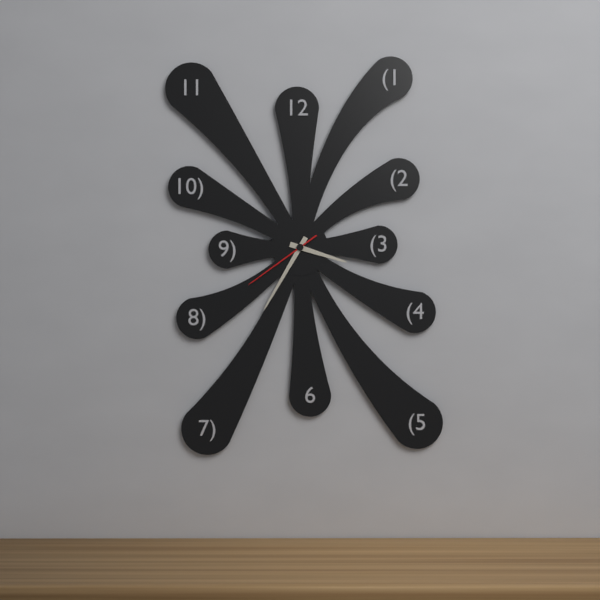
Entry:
3.35.39
